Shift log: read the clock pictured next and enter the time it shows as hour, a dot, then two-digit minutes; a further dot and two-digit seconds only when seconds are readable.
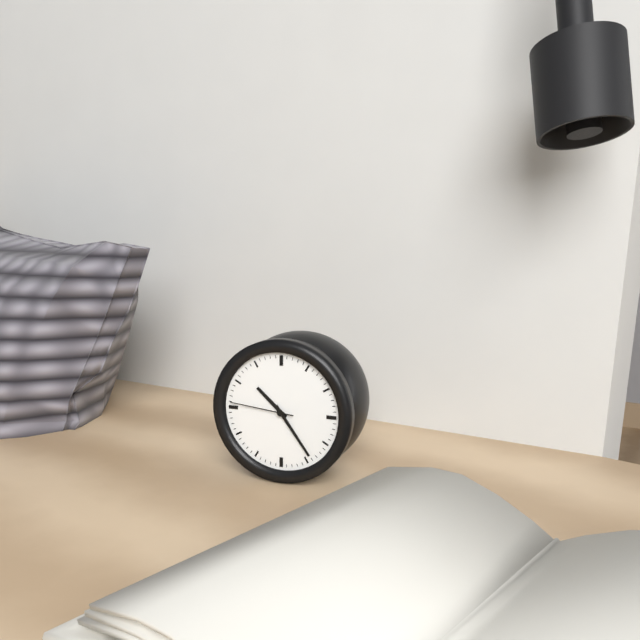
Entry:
10.24.46
